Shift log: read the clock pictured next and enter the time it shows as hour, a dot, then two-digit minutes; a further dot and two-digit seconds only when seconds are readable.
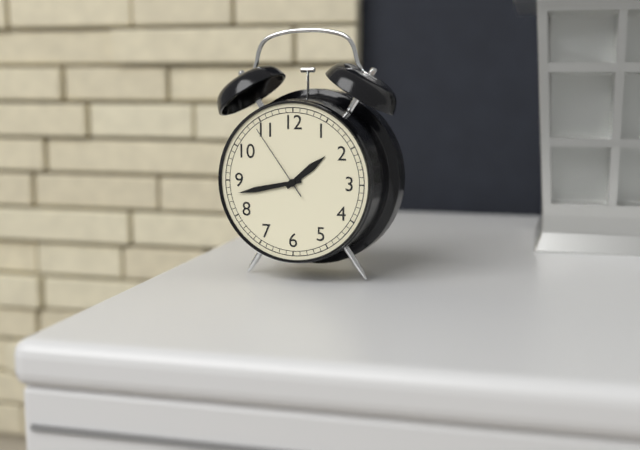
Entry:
1.43.54
